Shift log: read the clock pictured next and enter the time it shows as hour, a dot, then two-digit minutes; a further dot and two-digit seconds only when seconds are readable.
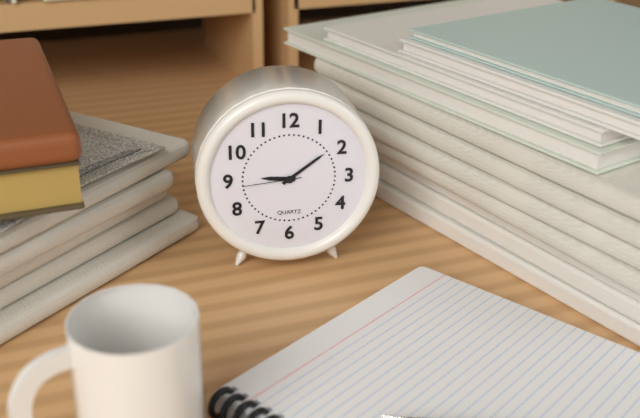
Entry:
9.09.44
